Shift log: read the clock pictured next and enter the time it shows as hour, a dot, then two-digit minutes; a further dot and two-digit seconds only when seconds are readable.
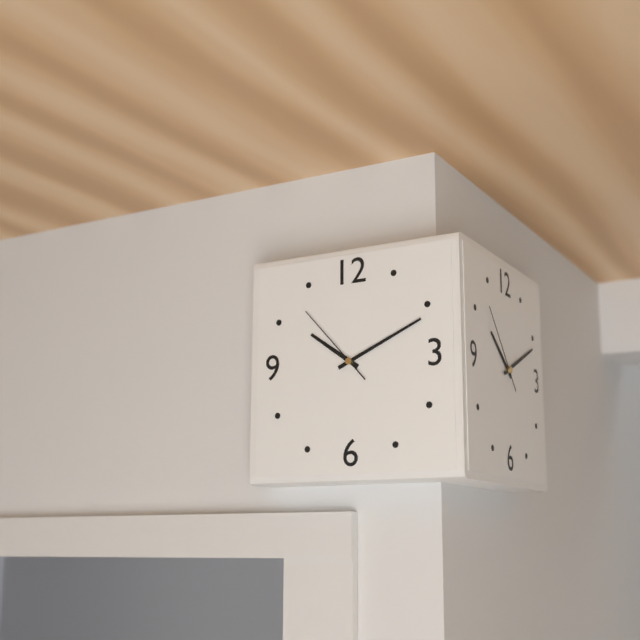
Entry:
10.11.53
